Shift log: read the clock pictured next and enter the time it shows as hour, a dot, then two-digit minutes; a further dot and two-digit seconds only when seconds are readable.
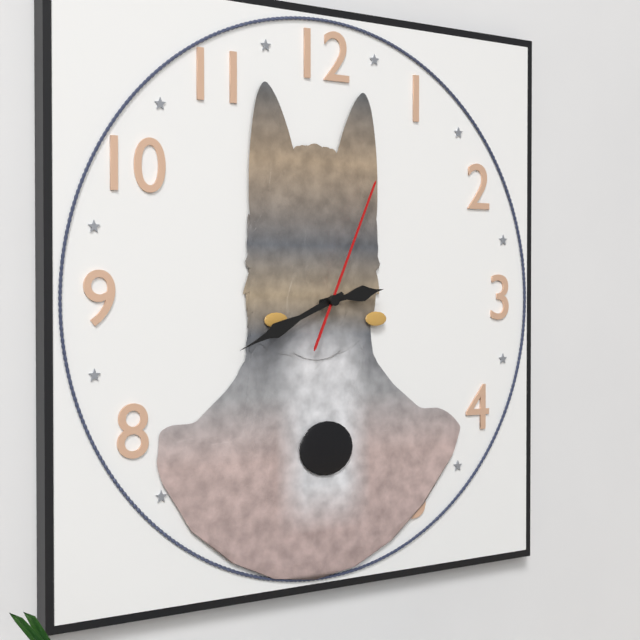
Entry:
2.41.04
